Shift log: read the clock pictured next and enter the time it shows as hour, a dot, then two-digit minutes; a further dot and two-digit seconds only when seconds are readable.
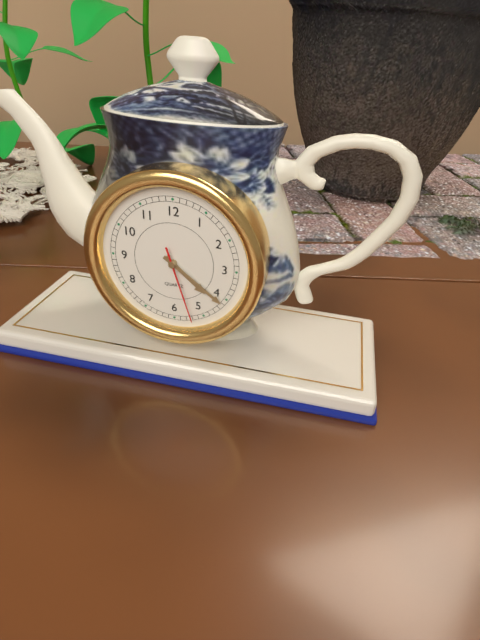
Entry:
4.21.27
